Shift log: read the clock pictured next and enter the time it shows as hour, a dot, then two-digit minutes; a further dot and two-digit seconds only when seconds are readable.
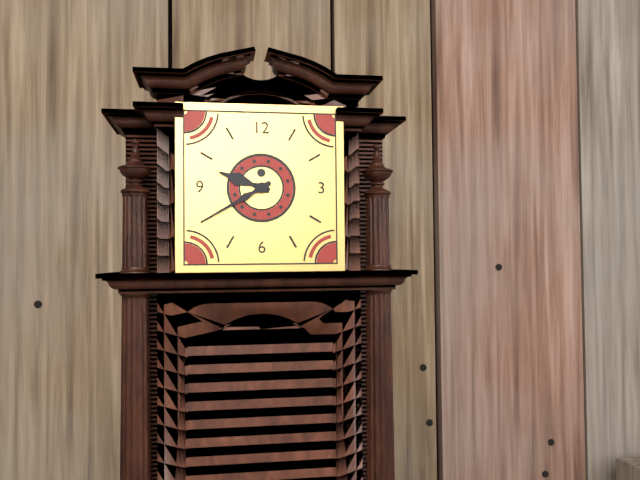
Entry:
9.40
